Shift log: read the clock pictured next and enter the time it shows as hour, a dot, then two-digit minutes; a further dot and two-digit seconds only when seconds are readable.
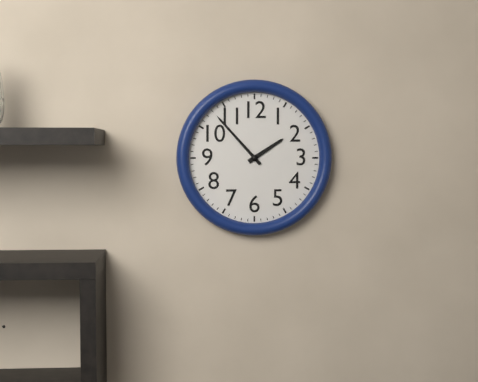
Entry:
1.53
